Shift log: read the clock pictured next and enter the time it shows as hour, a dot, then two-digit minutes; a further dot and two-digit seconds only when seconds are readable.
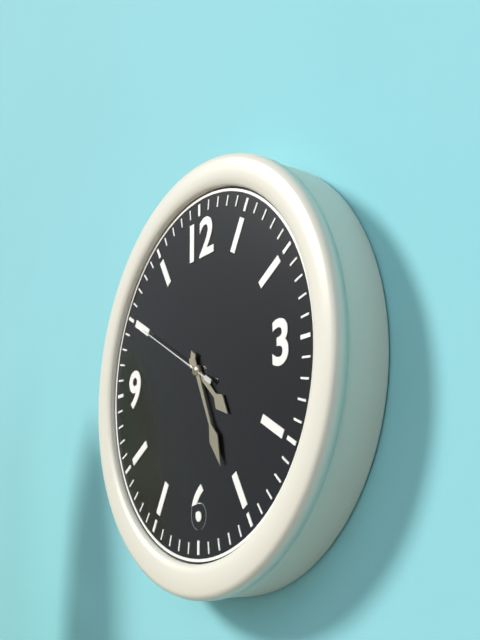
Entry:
4.26.50
